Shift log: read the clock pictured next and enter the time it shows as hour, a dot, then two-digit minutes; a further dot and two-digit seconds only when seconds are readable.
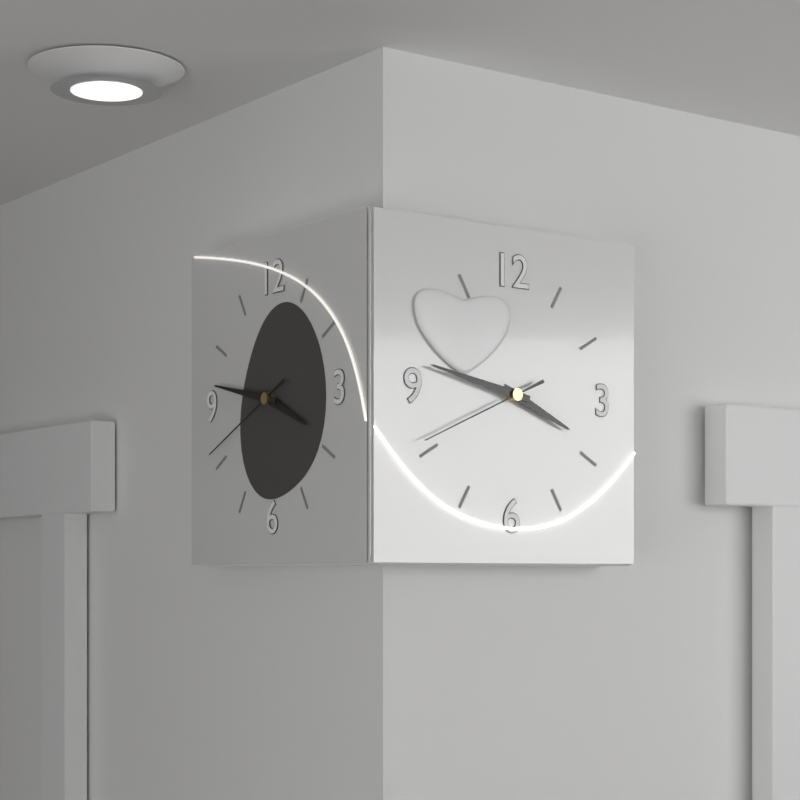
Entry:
3.47.41
